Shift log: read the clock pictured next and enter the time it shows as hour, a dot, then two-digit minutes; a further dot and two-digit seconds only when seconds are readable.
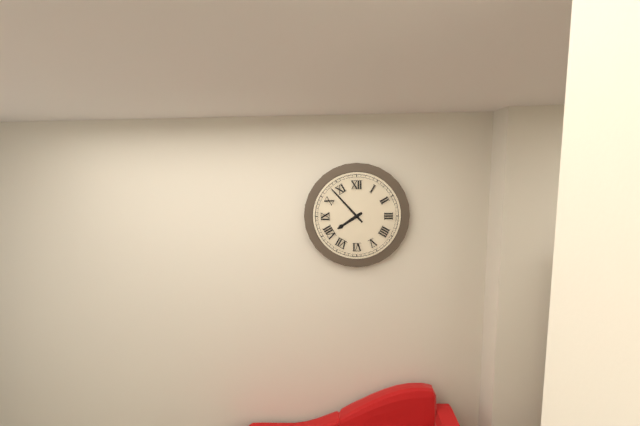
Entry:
7.53
